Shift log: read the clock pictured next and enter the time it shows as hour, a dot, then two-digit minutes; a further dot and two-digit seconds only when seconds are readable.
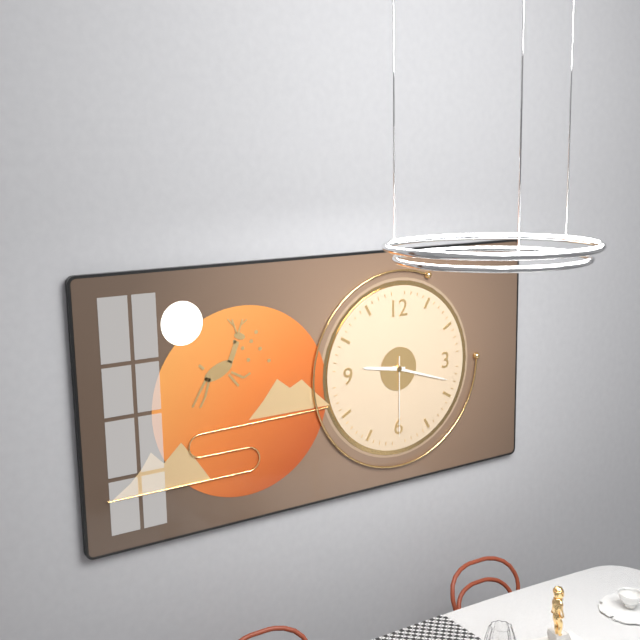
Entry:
9.18.30
